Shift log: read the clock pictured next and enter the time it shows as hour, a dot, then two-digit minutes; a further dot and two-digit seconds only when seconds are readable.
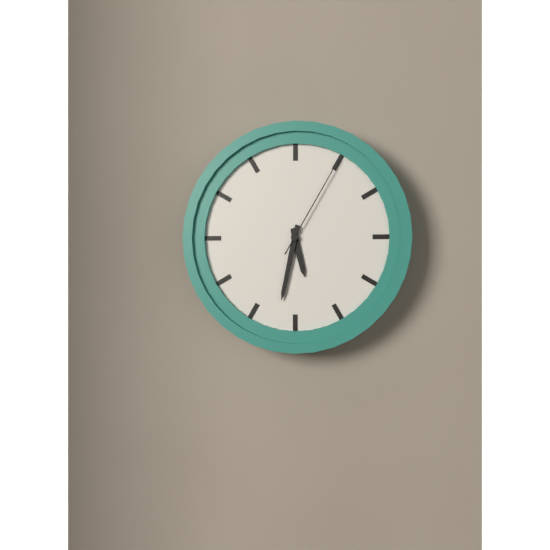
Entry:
5.32.05
